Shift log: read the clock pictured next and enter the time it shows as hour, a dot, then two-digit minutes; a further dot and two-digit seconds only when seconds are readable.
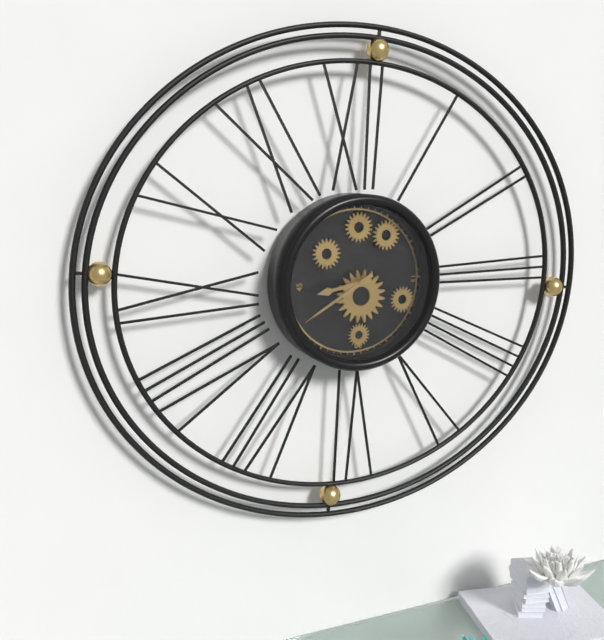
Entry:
8.40
